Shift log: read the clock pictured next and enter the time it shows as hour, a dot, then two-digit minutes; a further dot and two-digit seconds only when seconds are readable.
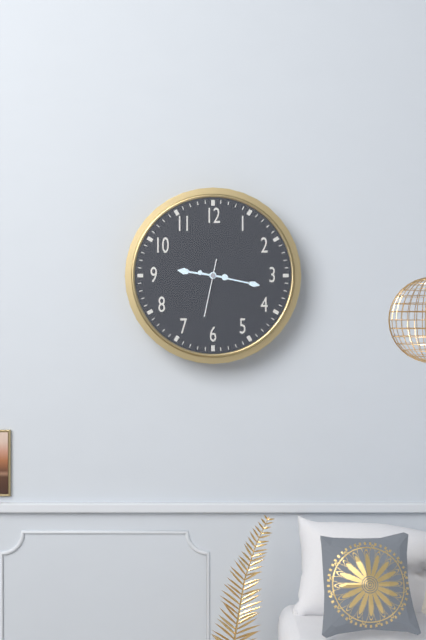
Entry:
9.17.32
